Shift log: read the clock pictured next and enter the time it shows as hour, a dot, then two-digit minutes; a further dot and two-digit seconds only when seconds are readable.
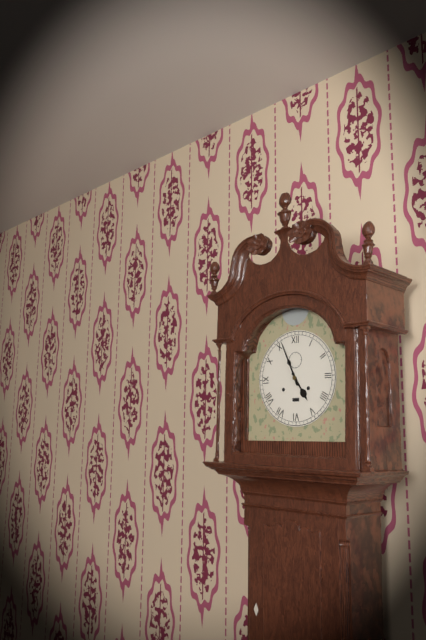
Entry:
4.56
